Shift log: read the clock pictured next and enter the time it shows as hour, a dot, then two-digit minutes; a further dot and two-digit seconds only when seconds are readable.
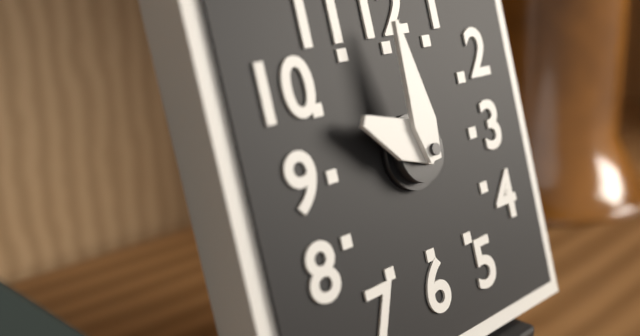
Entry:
9.59
